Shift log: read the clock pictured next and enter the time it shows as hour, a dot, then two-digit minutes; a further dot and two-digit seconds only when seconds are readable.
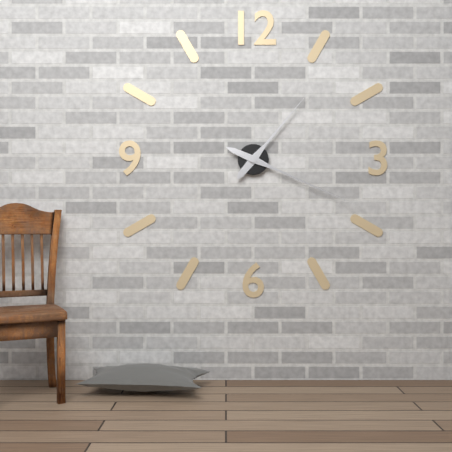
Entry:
1.19
